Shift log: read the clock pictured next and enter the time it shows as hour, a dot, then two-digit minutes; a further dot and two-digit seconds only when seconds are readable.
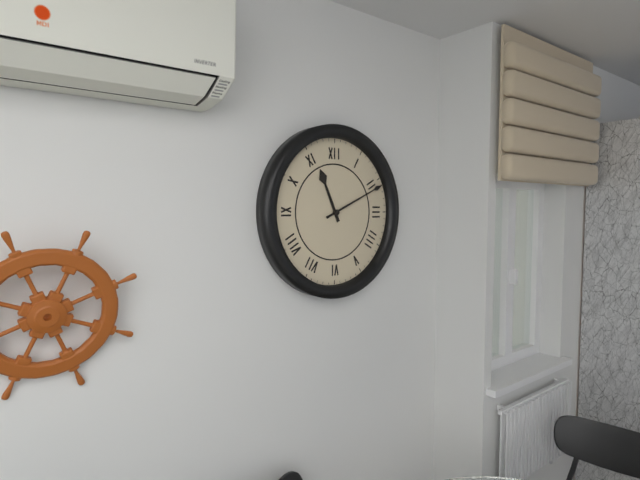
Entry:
11.11
